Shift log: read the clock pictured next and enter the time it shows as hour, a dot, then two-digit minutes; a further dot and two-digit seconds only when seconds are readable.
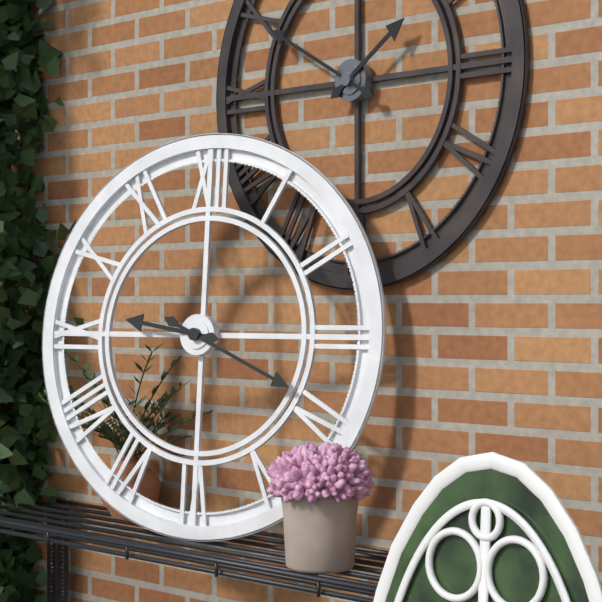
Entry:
9.19
